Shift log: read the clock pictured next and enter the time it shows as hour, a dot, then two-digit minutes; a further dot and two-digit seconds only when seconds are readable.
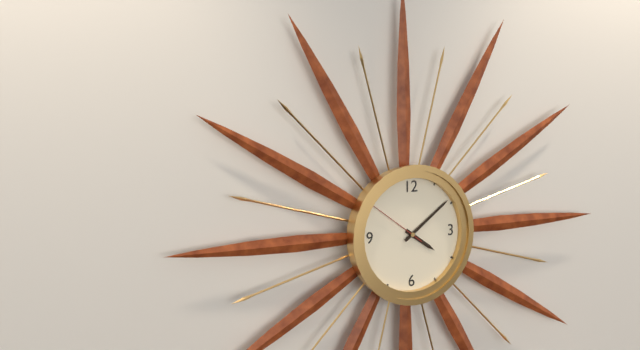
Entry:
4.09.51
